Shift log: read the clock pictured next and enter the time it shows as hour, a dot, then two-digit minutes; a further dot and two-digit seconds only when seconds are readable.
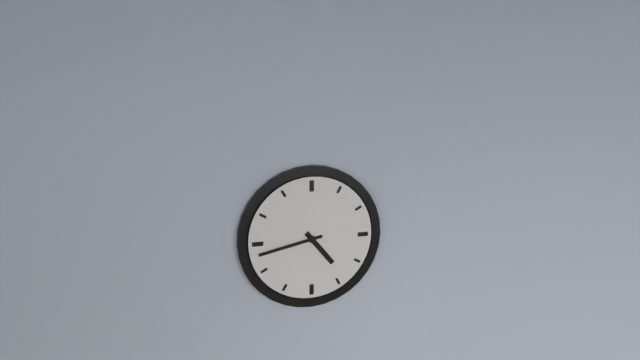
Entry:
4.43
